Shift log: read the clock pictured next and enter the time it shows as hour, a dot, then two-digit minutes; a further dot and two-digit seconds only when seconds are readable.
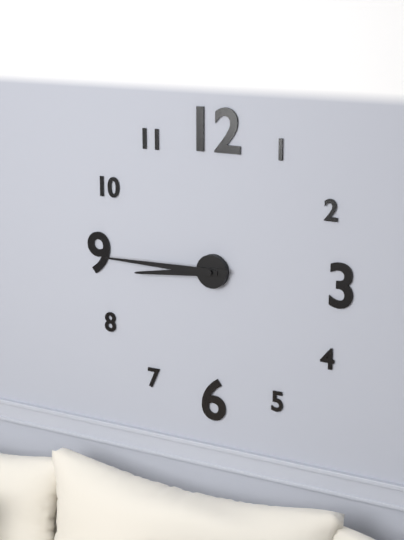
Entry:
8.45
